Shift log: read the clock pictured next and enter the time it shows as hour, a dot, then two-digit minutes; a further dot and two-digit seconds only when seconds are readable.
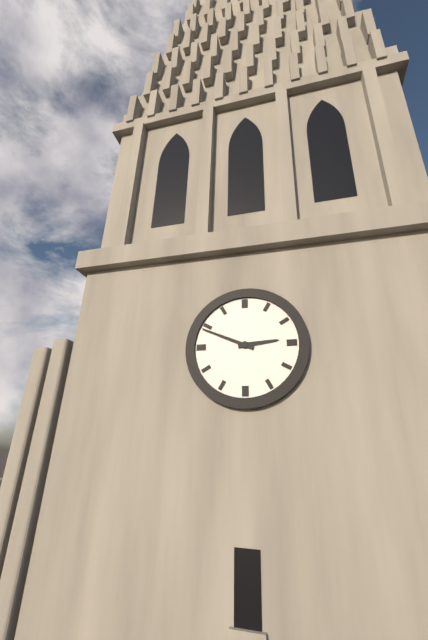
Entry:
2.49
